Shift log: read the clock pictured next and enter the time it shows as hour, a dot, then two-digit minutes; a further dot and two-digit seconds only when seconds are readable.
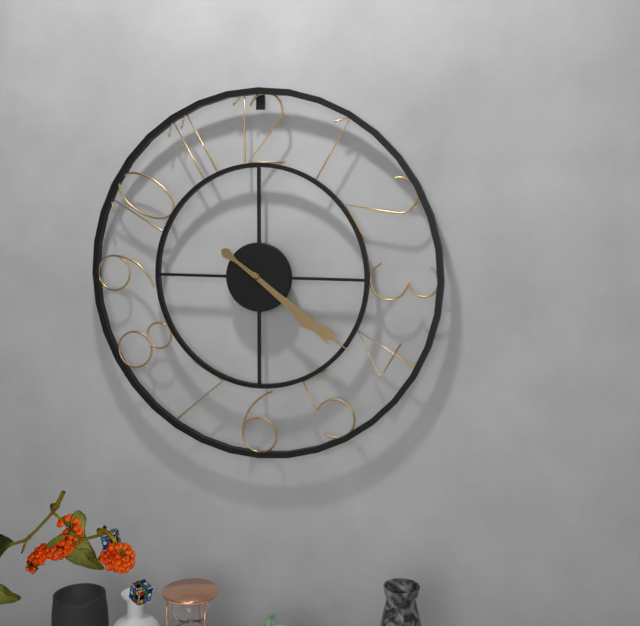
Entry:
4.21
